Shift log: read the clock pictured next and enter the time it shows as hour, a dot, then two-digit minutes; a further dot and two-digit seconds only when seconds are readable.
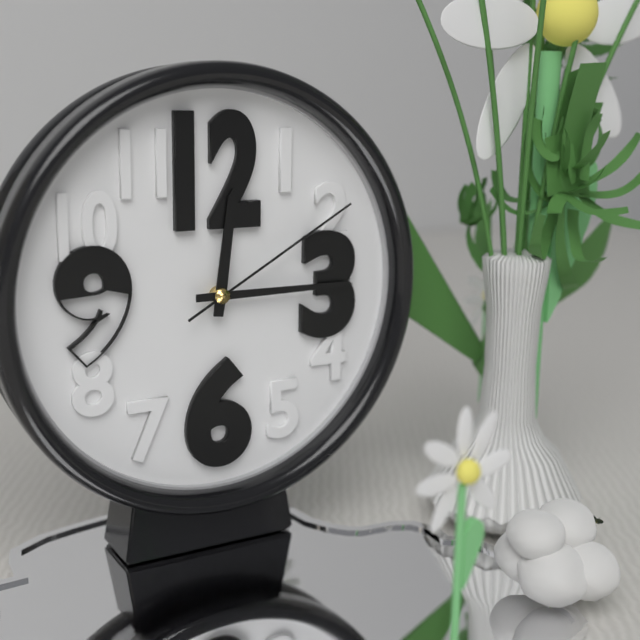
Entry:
12.15.10
